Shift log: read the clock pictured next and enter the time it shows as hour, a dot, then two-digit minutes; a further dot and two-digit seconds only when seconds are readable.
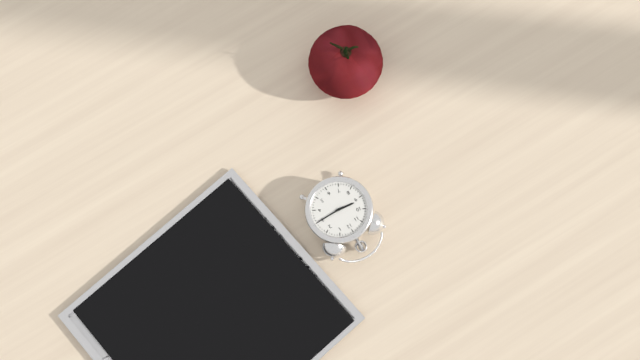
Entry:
9.15
